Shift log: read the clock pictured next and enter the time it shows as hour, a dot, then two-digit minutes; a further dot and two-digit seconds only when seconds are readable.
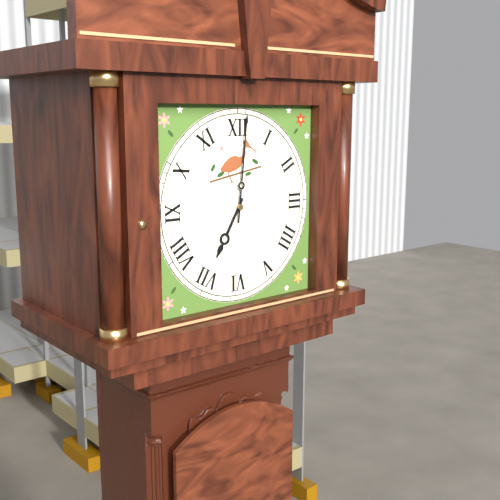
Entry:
7.01
